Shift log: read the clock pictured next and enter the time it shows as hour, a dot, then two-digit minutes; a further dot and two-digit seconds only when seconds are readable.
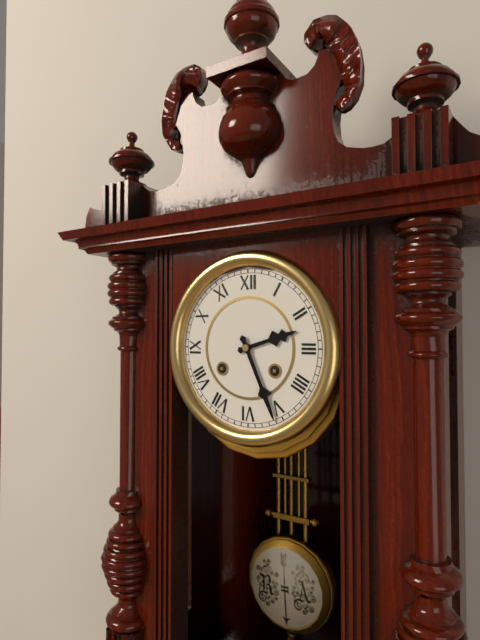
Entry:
2.26
